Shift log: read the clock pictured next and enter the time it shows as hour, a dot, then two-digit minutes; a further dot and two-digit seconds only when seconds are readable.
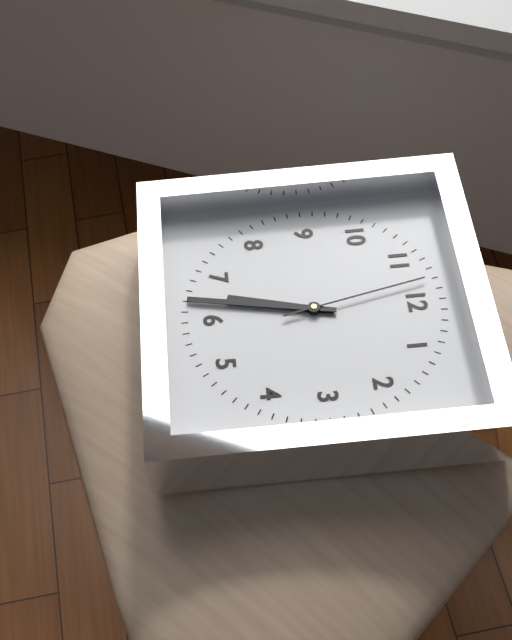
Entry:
6.32.58
